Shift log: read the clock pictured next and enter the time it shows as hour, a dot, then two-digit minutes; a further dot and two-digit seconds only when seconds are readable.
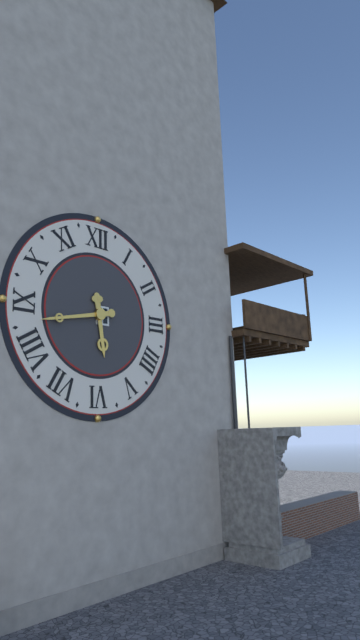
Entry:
5.43
